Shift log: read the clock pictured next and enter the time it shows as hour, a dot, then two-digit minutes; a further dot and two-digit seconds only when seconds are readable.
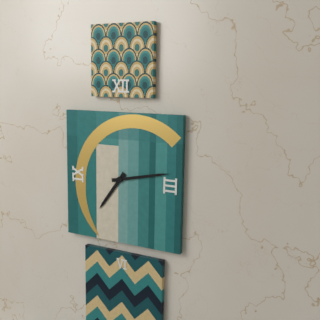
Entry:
7.13
